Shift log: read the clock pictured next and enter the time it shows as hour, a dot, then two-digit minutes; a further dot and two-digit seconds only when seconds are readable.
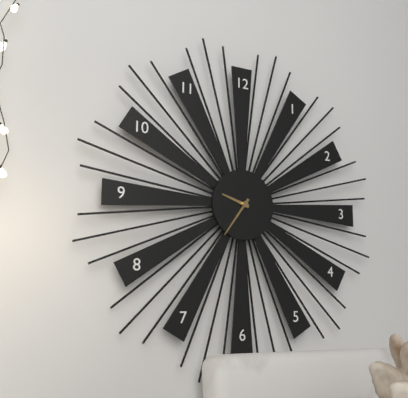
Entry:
9.36
